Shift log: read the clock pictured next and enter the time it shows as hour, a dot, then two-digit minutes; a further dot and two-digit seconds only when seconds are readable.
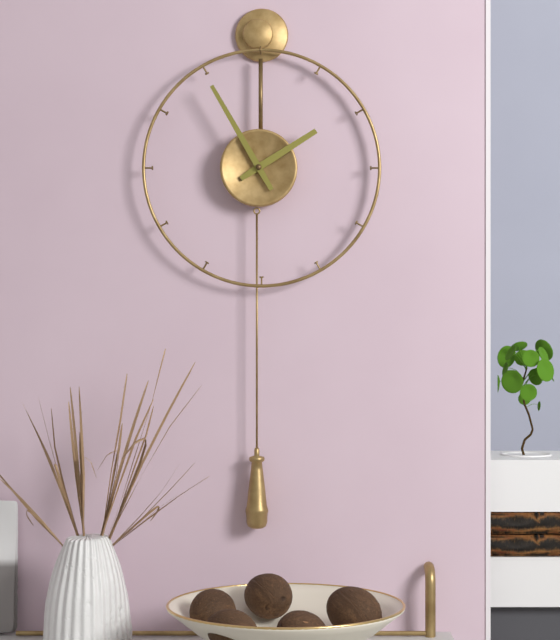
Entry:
1.55
